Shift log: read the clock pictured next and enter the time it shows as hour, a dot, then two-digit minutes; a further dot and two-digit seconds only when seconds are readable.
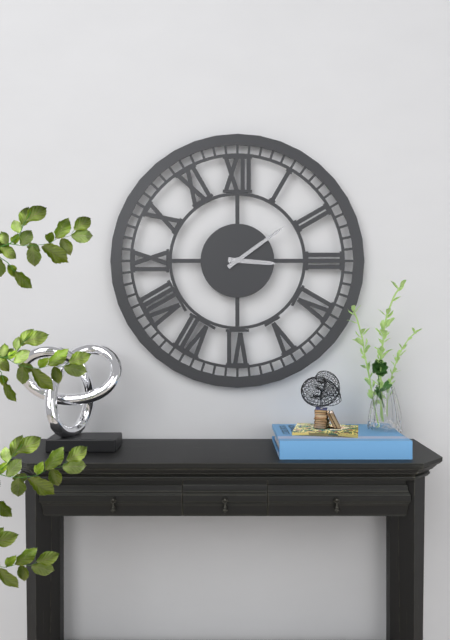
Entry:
3.09
